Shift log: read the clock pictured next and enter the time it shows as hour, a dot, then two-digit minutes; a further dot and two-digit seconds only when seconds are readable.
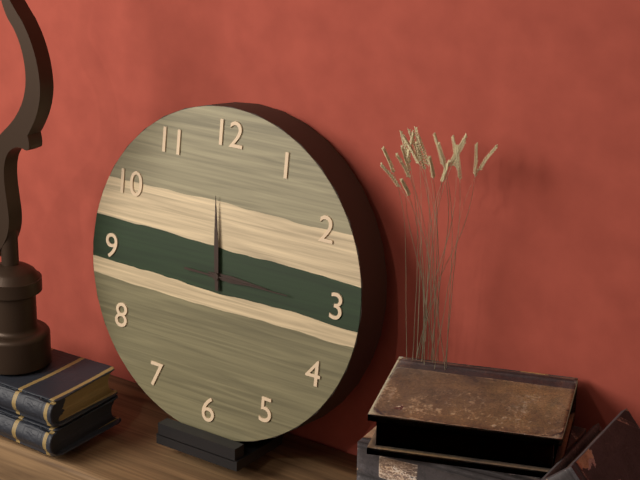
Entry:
2.59.15
